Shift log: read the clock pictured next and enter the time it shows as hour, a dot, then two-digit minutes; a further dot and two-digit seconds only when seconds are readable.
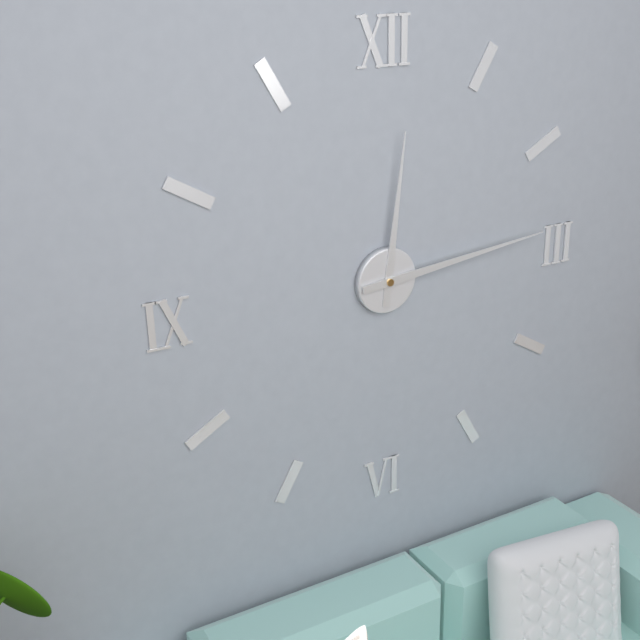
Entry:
12.14
